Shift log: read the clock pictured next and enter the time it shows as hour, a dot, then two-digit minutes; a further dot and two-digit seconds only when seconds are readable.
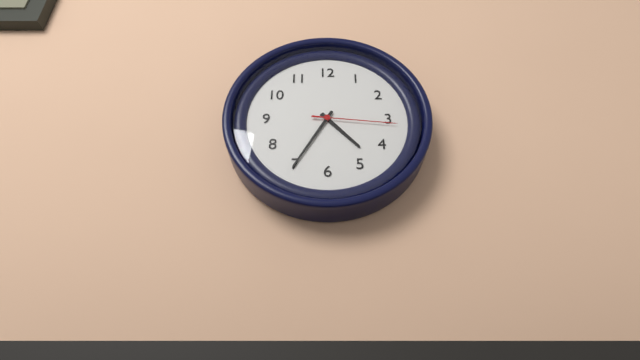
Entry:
4.35.16
